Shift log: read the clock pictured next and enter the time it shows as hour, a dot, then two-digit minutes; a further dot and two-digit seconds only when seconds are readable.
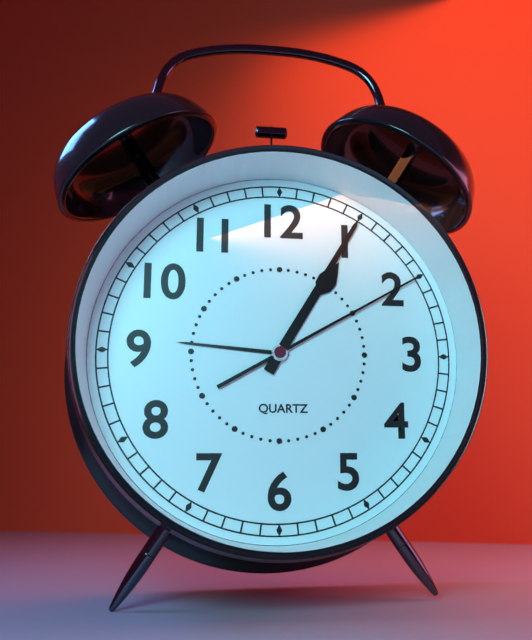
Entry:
1.05.10
